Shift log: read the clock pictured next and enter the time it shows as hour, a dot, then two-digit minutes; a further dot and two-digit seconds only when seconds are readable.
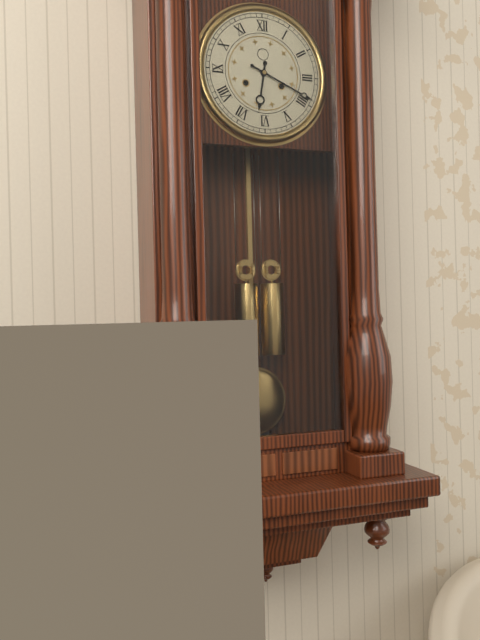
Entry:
6.19
